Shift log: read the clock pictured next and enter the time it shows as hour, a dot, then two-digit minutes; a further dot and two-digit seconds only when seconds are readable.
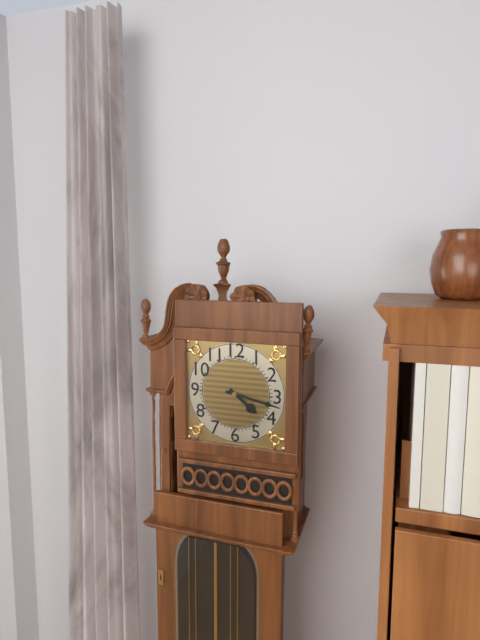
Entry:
4.17
